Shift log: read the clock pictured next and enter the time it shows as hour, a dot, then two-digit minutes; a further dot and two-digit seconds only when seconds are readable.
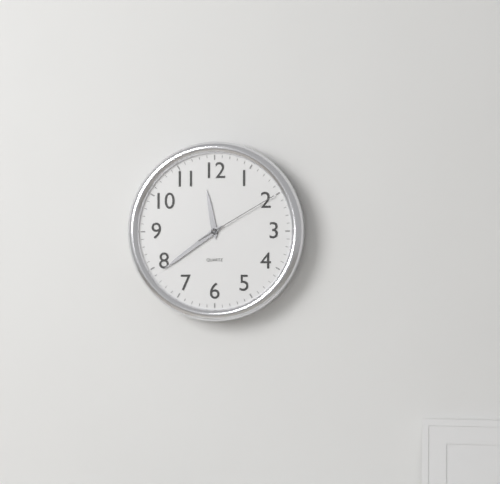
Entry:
11.39.10
